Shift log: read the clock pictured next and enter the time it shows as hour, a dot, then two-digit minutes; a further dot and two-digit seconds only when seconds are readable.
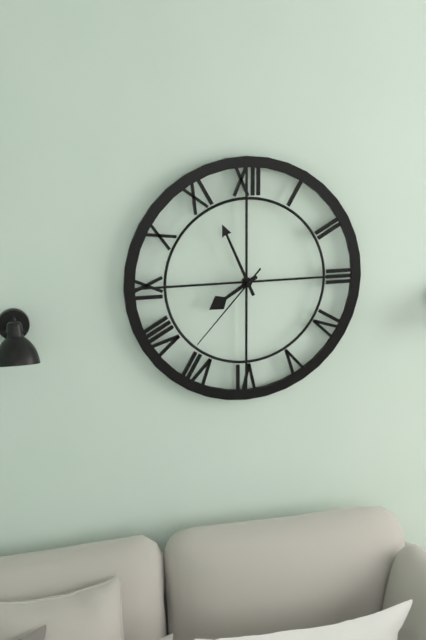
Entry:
7.56.37
